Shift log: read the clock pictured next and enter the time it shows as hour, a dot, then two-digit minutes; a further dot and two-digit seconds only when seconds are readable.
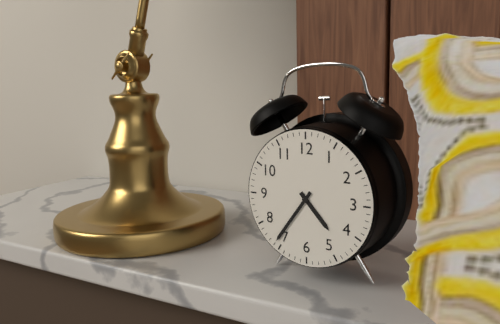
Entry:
4.36
